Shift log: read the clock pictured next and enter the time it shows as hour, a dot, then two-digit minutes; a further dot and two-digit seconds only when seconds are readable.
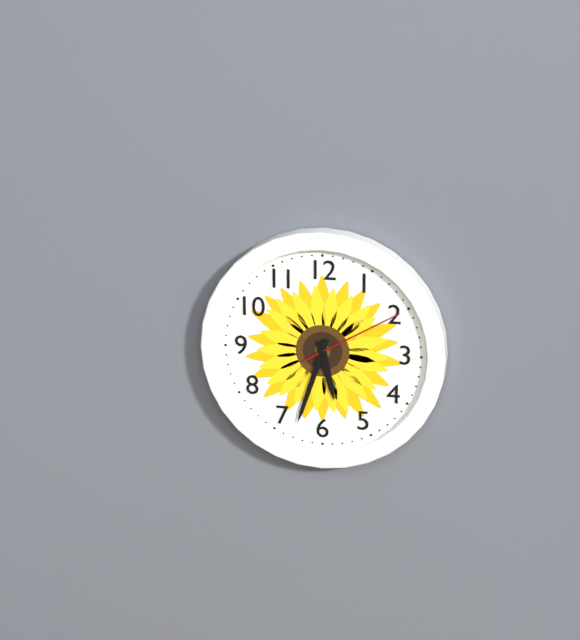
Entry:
5.33.10
